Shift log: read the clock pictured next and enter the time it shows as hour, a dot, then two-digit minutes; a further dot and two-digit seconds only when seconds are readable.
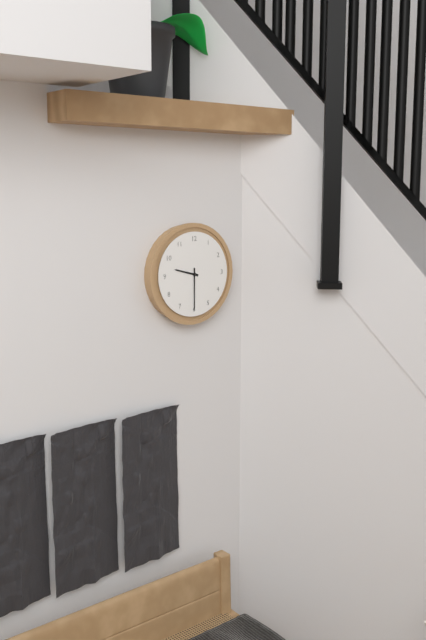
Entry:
9.30
